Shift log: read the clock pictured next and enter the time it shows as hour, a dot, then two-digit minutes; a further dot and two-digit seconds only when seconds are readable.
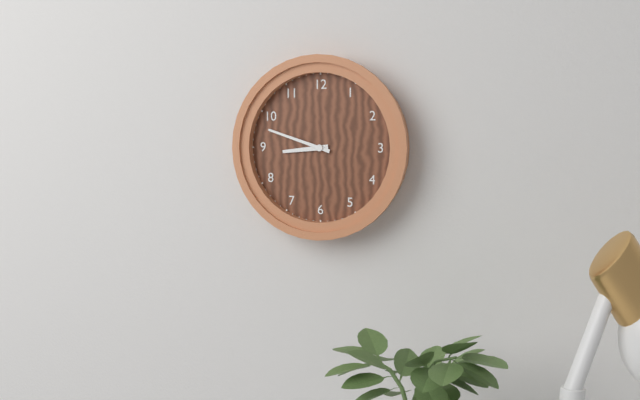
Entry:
8.48
